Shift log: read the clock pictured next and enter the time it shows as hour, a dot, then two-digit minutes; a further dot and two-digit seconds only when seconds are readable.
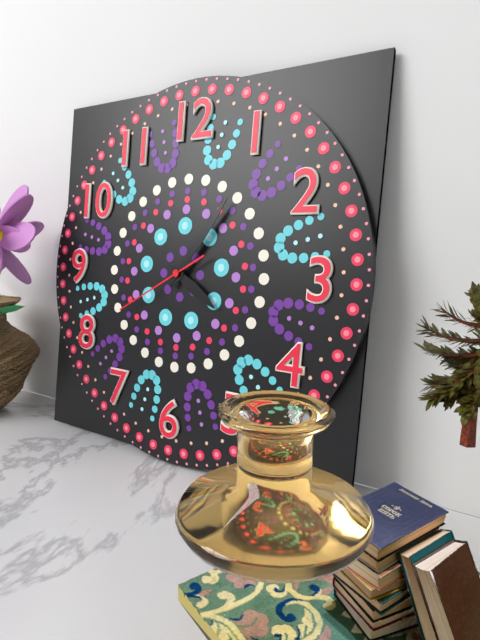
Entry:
4.06.40
